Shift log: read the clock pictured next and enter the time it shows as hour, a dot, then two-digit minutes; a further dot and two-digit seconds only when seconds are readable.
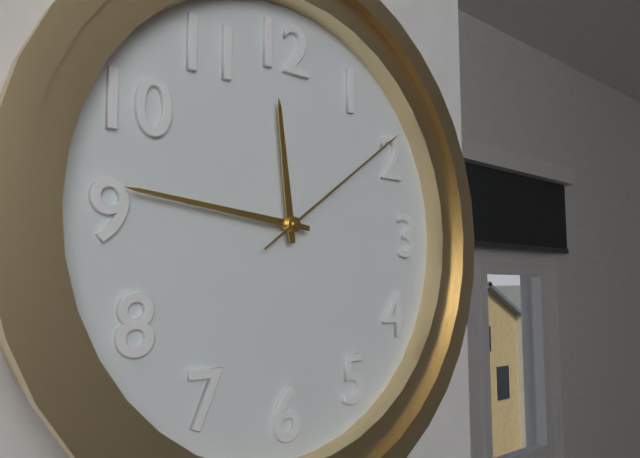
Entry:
11.46.09
